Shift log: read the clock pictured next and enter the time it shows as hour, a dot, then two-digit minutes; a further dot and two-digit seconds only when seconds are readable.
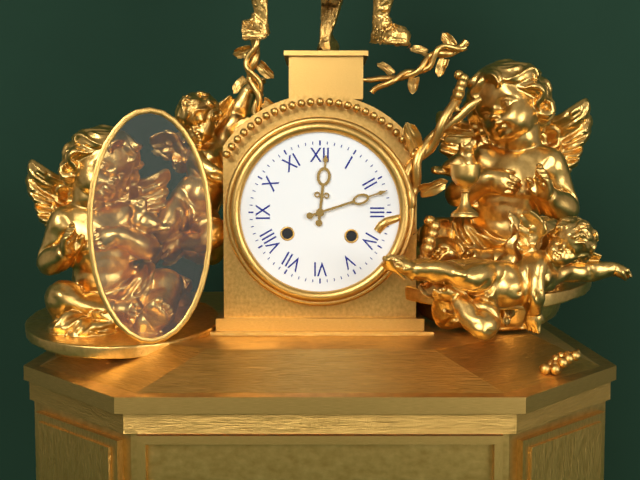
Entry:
12.12
